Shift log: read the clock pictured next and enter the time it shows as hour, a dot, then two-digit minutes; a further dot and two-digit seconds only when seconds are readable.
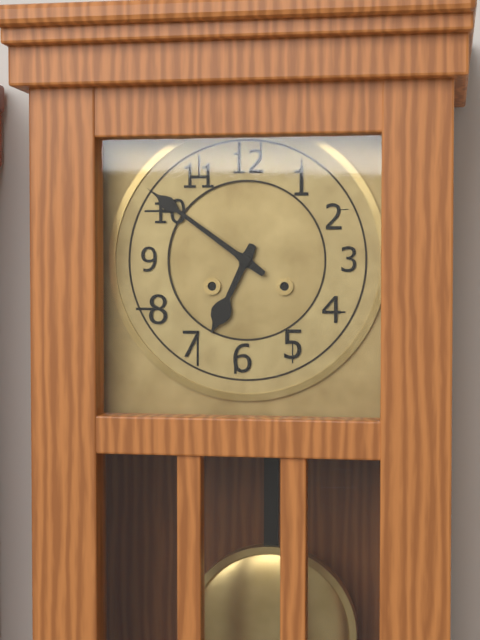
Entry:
6.51
